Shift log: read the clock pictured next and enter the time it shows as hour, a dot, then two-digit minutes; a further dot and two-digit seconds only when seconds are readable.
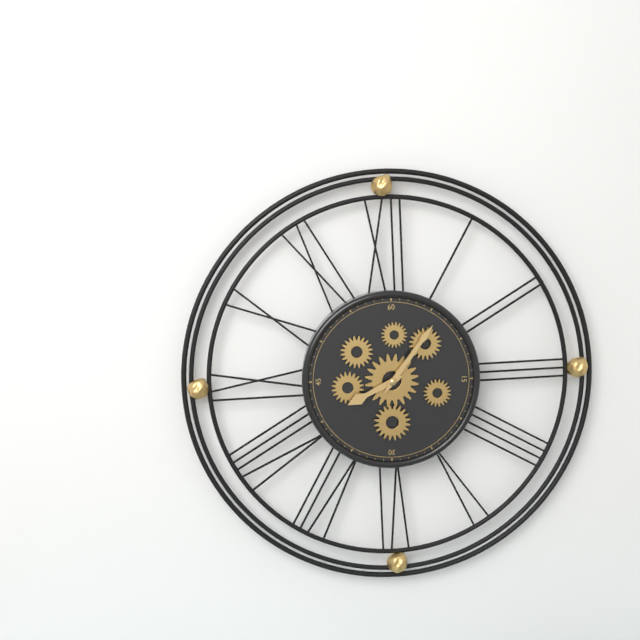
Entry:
8.06
